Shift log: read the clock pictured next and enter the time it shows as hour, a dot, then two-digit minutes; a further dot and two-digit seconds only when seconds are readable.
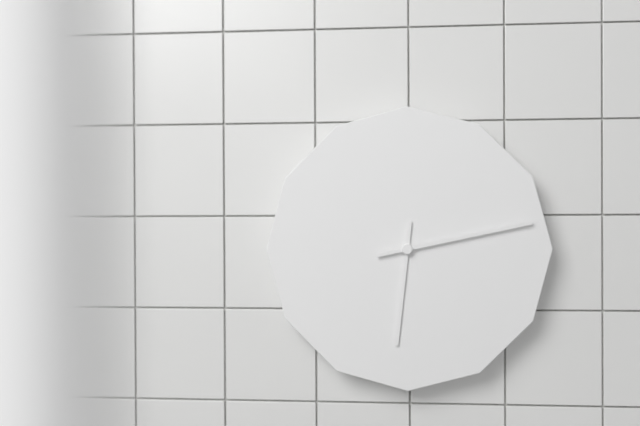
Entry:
6.13
